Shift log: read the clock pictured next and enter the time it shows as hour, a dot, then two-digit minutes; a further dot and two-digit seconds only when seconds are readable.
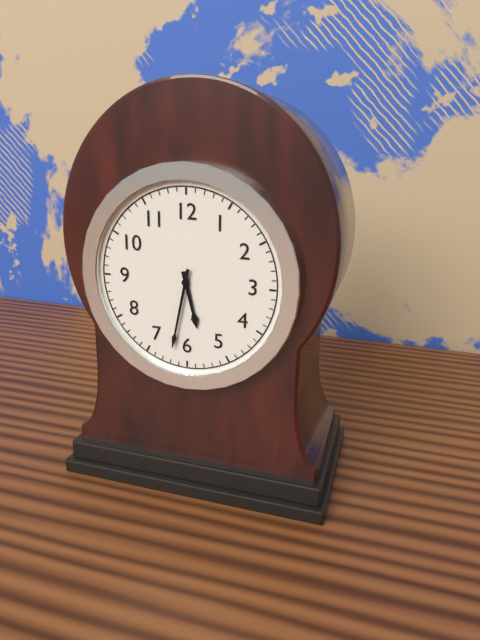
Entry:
5.32
